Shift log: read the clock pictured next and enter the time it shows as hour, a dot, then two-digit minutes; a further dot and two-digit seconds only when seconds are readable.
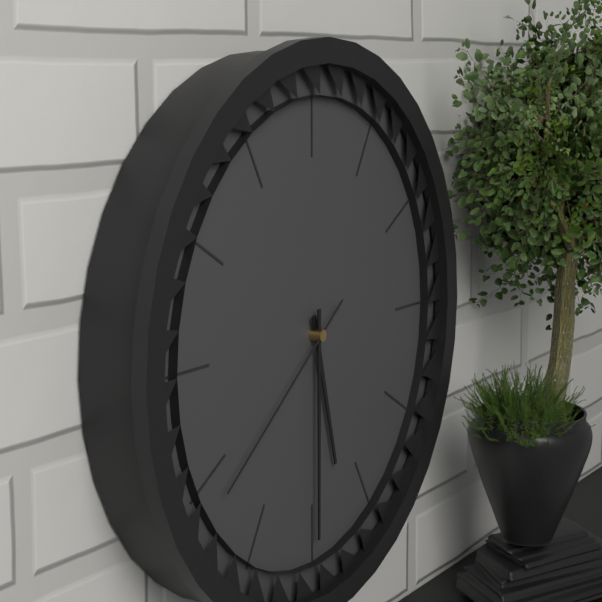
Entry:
5.30.39
